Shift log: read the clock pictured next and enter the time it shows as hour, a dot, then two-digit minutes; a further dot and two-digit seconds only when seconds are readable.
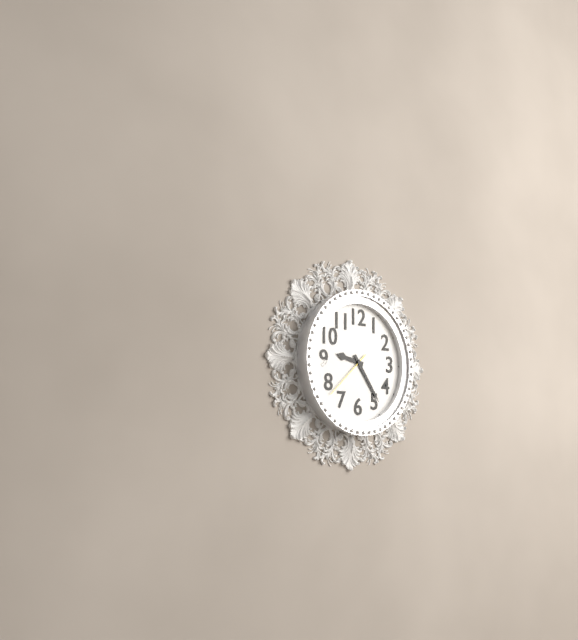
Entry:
9.24.38
